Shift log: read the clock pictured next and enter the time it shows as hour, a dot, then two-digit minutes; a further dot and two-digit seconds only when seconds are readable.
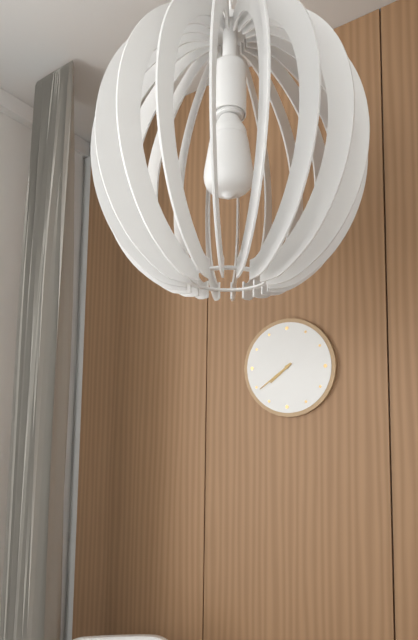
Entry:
7.39
